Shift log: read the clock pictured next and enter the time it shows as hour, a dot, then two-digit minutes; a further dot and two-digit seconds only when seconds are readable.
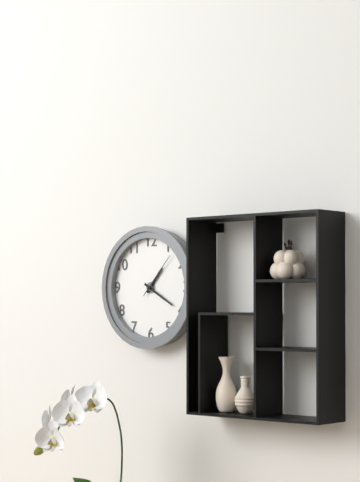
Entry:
1.20
